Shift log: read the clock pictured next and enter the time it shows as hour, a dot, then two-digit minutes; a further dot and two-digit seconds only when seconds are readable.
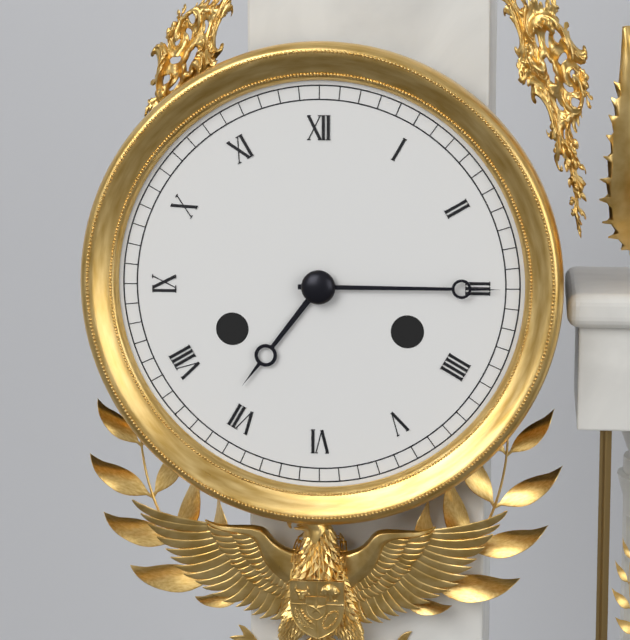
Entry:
7.15
